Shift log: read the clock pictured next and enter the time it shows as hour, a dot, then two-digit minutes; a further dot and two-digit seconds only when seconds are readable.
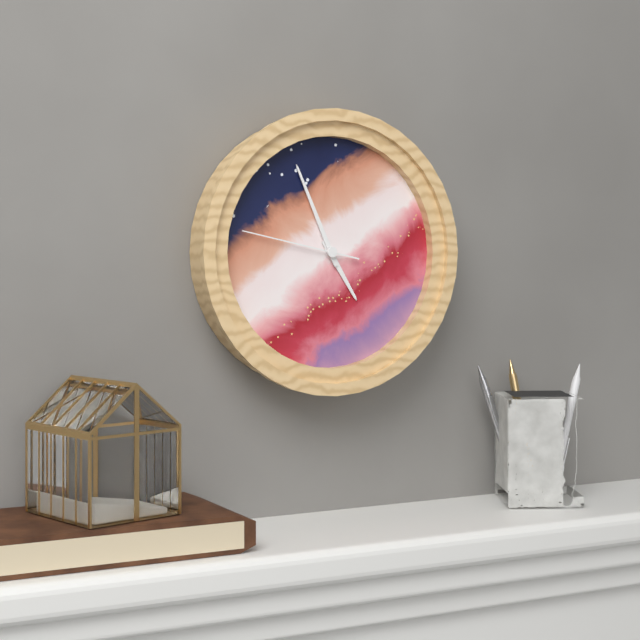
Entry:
4.56.47
